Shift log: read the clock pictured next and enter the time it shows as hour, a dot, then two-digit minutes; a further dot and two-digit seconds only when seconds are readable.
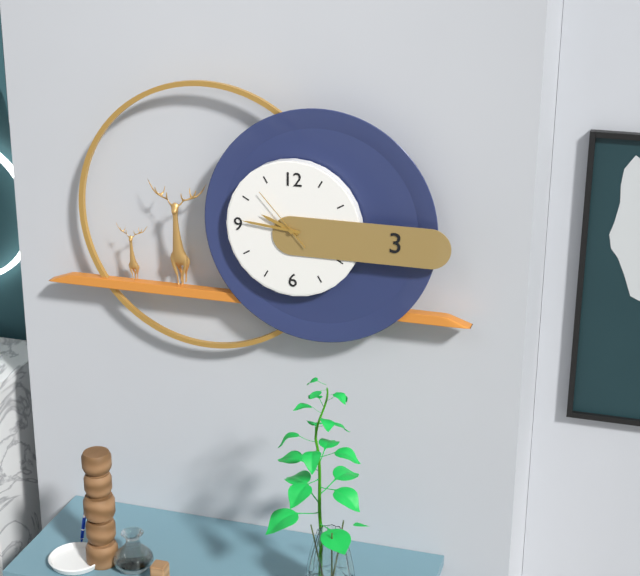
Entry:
9.46.53
